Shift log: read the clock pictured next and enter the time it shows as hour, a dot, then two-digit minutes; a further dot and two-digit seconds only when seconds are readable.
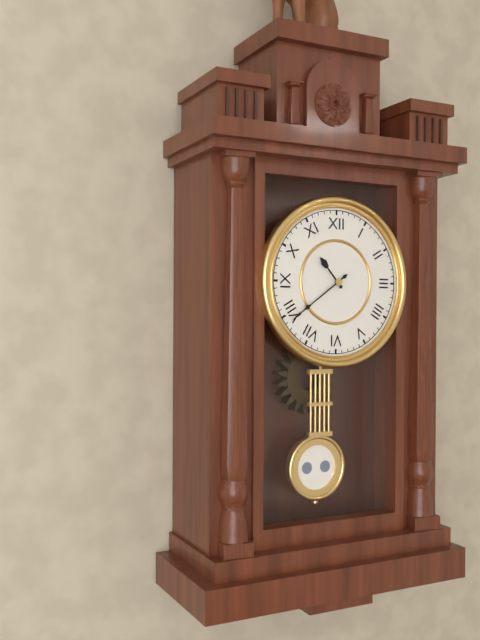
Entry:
10.39
